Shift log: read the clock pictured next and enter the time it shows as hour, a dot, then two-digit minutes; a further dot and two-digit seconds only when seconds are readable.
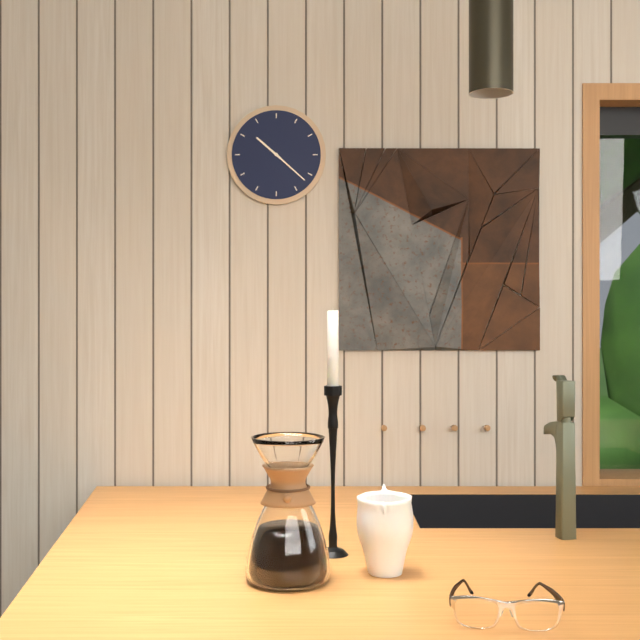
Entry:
10.22
